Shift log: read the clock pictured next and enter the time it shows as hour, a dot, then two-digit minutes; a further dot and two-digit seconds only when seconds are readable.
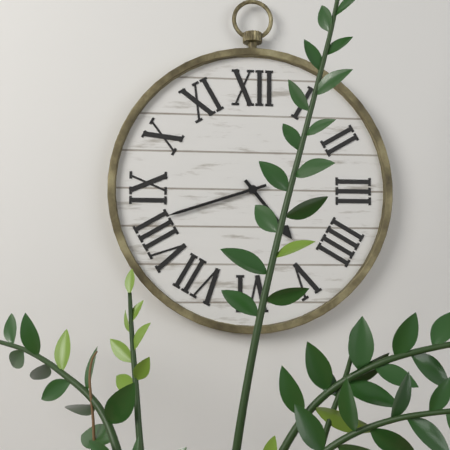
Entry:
4.42
